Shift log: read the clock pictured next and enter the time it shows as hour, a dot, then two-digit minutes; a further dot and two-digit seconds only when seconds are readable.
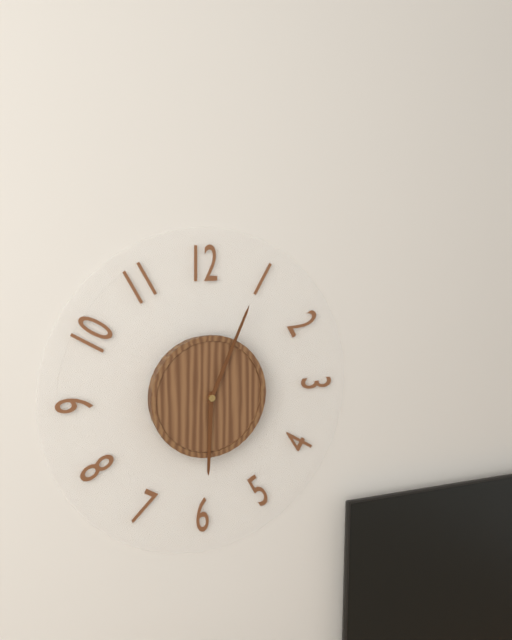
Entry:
6.04
